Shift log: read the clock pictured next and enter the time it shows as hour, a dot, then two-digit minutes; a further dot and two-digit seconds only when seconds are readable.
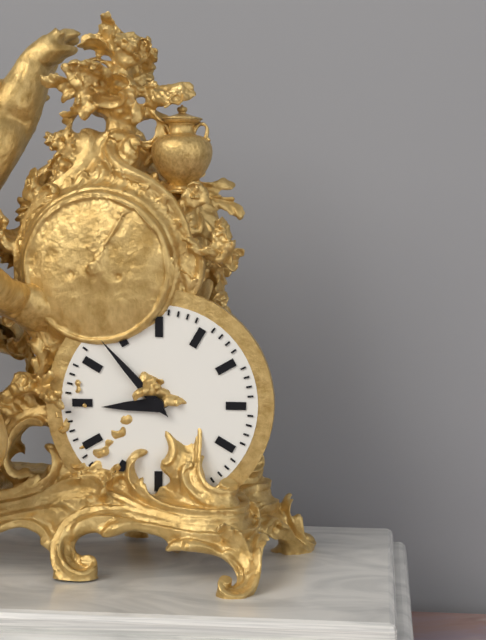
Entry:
8.53
